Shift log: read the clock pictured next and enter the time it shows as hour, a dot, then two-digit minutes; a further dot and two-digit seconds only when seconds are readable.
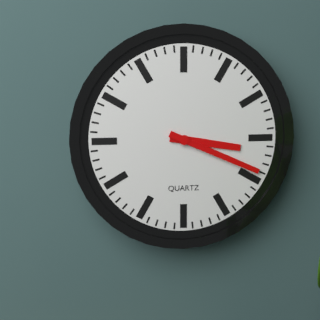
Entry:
3.19
